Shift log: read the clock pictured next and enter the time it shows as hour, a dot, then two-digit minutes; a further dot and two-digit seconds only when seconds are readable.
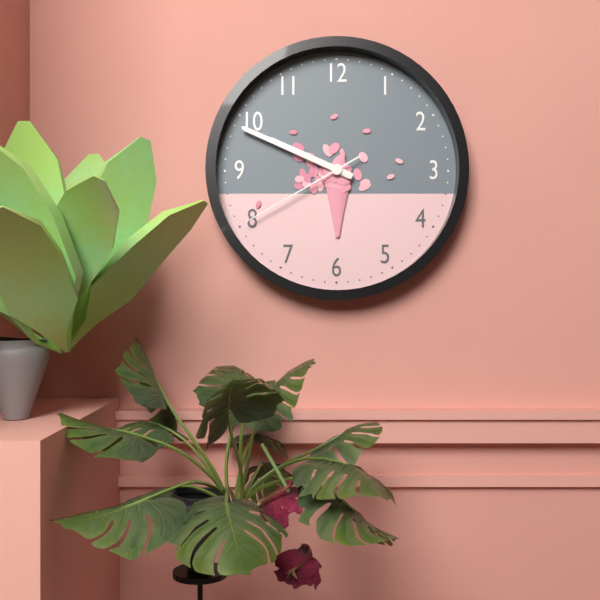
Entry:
9.49.40
